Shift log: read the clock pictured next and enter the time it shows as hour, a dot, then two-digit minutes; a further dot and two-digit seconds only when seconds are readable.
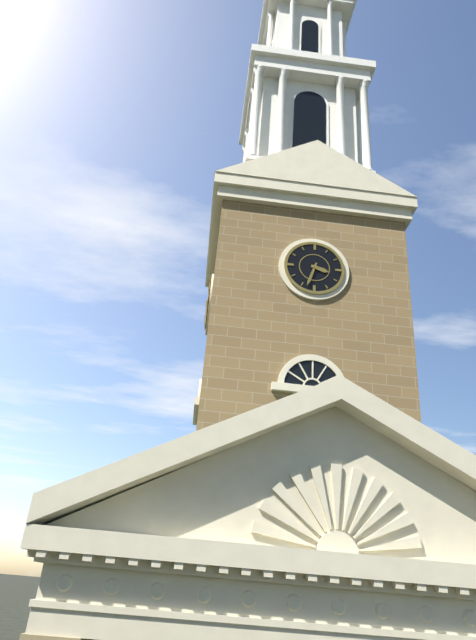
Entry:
3.33
